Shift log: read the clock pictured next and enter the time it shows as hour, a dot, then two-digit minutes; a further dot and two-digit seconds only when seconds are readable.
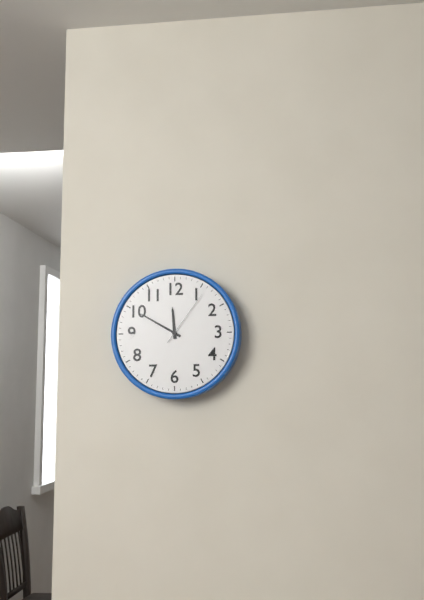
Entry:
11.50.06
